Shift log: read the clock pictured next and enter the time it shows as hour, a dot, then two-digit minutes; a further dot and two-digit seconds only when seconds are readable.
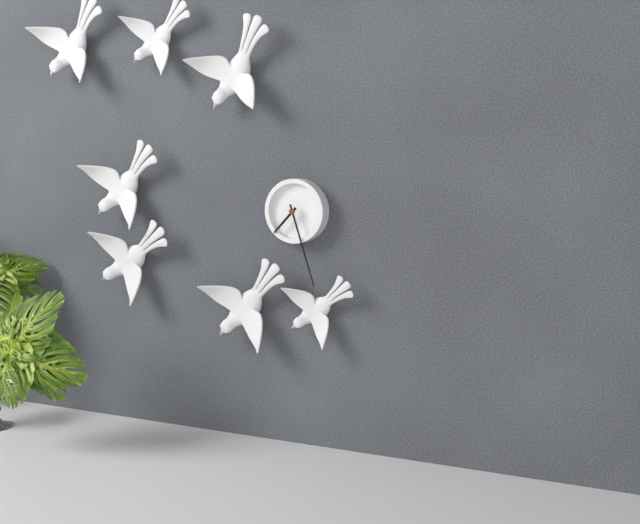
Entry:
7.27
